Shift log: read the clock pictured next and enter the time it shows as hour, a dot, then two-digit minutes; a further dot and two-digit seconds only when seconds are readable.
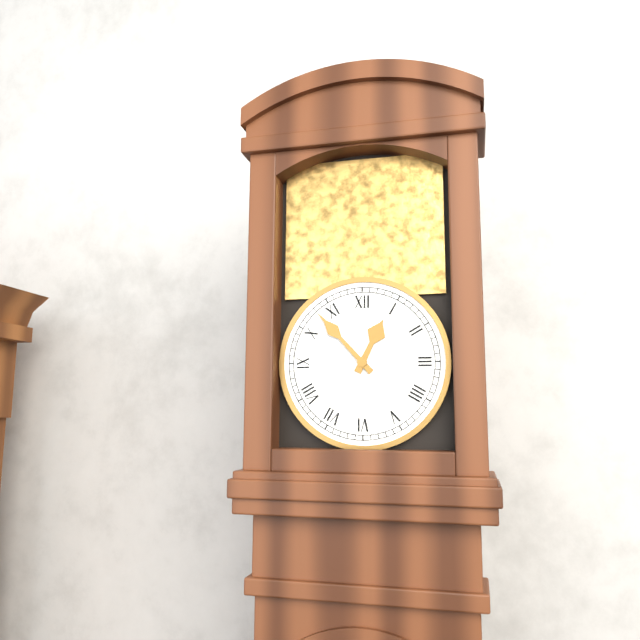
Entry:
12.53
